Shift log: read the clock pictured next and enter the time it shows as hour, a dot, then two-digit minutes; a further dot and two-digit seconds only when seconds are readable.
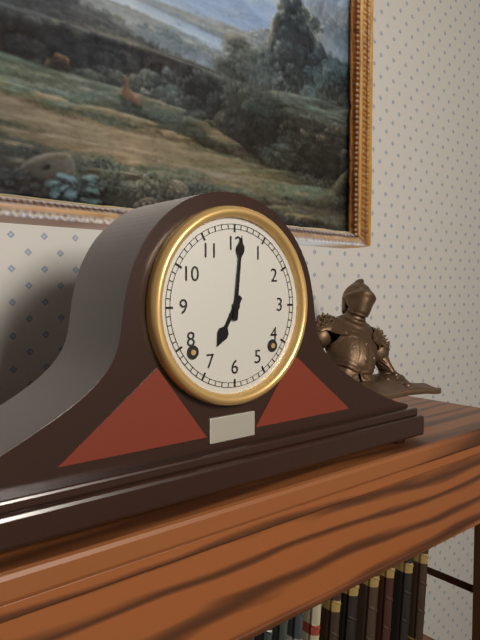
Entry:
7.01
